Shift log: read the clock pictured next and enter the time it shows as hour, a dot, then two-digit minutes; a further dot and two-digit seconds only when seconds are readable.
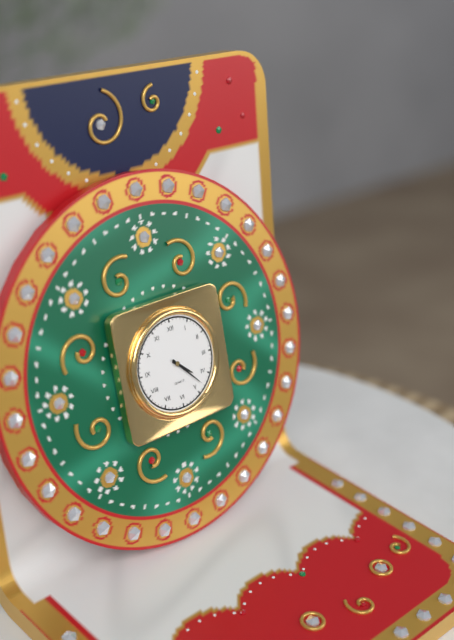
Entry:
4.23
